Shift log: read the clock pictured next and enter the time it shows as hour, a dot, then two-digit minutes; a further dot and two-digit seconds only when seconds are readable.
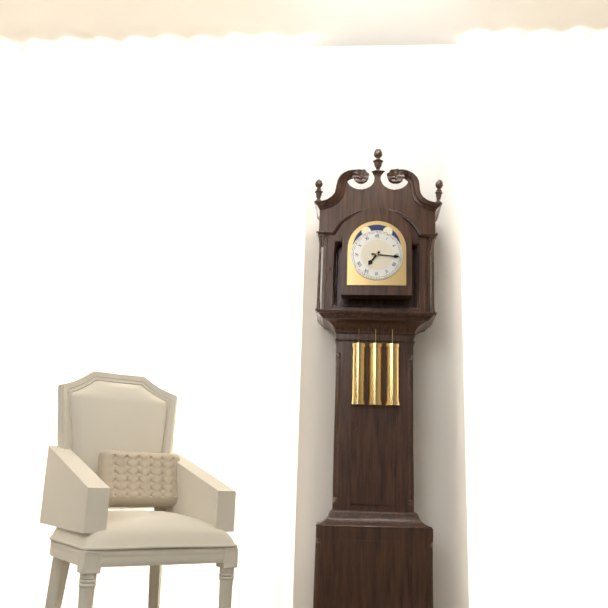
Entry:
7.16
